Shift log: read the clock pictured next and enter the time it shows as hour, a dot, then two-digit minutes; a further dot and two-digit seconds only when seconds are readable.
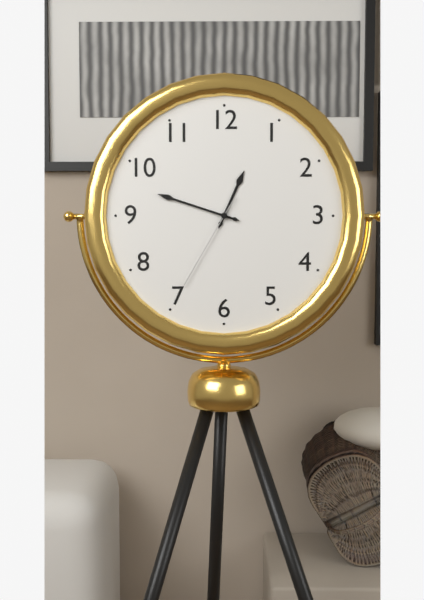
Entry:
12.48.35
